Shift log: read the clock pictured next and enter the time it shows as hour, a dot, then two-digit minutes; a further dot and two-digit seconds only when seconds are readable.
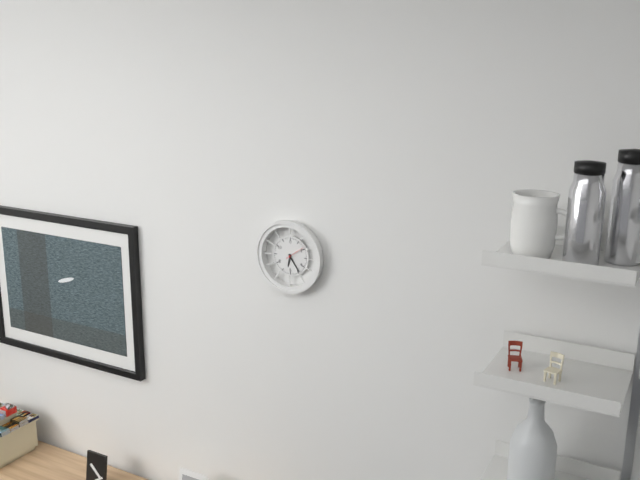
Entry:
6.24
